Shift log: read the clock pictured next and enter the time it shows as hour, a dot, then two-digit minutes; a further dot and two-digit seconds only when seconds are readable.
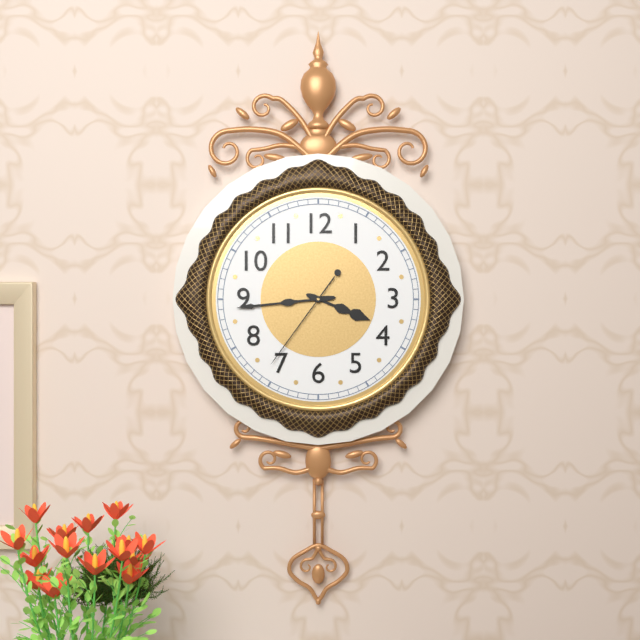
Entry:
3.44.36
